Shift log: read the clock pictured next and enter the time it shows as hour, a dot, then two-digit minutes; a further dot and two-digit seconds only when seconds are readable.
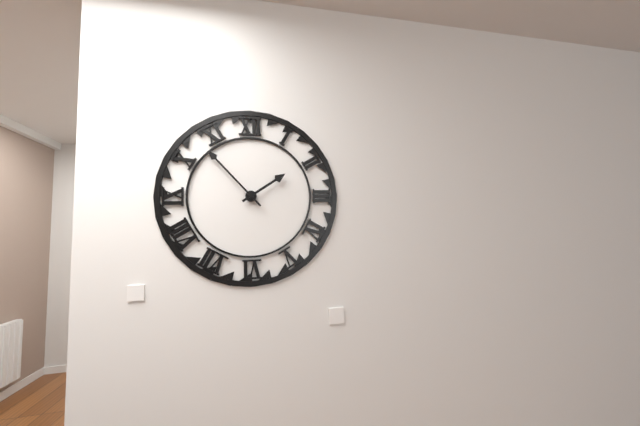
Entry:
1.53
